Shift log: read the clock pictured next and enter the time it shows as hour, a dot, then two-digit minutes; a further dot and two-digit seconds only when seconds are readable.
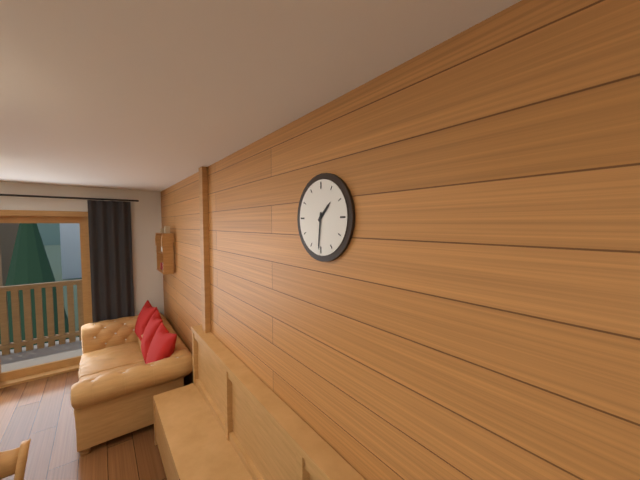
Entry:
1.31
